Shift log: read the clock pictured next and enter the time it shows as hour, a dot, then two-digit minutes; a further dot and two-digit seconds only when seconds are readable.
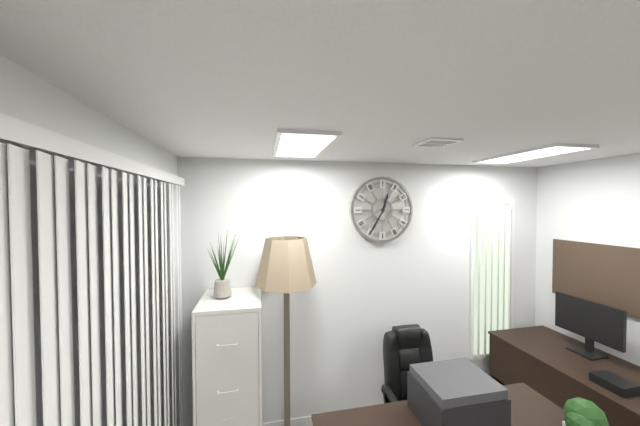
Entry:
12.35
